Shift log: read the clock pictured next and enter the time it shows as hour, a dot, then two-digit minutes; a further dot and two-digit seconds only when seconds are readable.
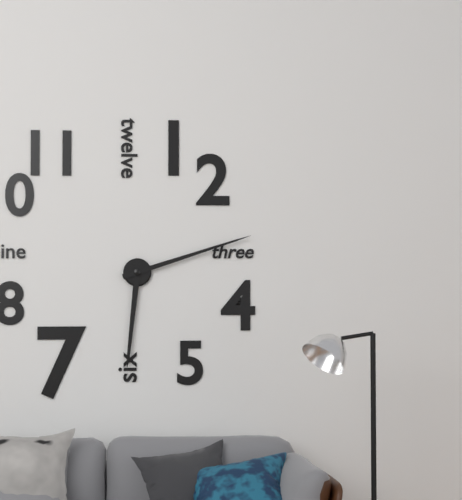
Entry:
6.12
